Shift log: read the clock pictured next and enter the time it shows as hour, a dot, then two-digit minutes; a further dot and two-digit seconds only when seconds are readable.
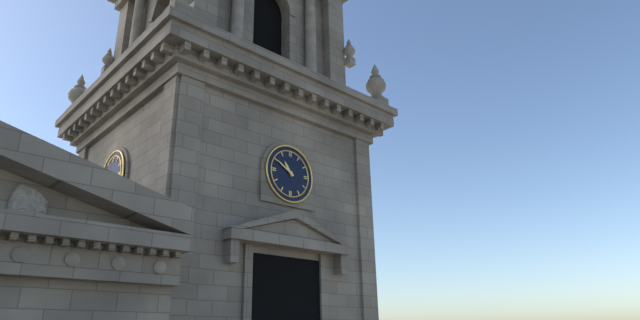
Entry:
10.50
